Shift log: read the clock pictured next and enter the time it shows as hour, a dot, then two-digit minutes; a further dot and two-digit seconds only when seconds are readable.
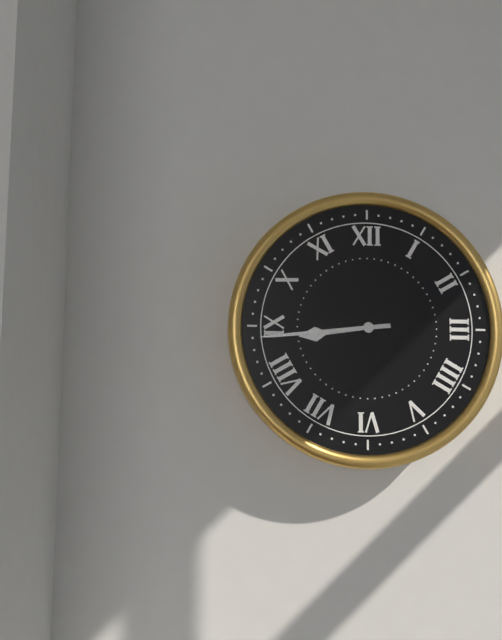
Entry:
8.44
